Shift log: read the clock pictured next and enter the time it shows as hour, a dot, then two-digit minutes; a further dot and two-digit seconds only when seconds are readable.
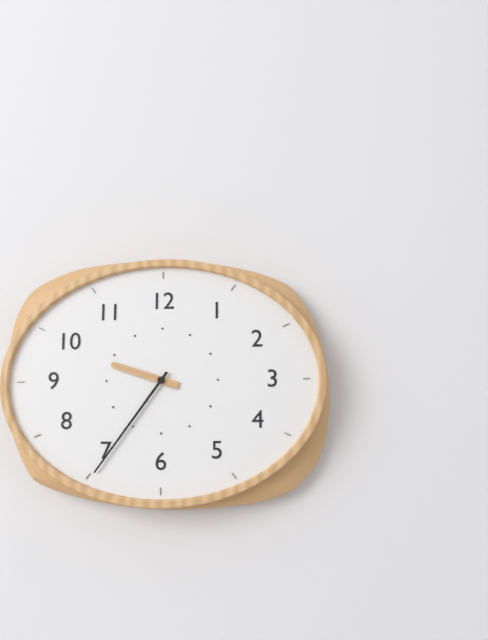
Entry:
9.36
